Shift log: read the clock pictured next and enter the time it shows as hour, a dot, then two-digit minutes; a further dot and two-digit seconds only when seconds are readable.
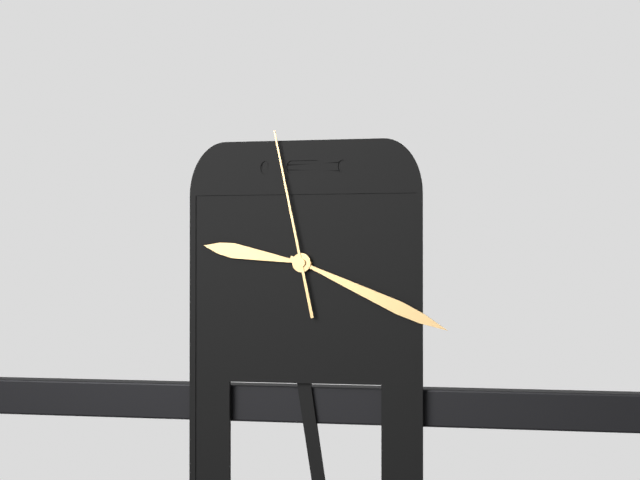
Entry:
9.19.58
